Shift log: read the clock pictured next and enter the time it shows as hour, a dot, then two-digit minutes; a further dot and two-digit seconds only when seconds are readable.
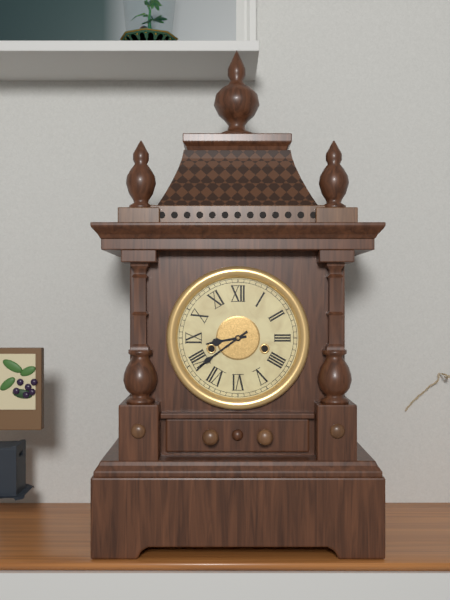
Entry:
8.39
